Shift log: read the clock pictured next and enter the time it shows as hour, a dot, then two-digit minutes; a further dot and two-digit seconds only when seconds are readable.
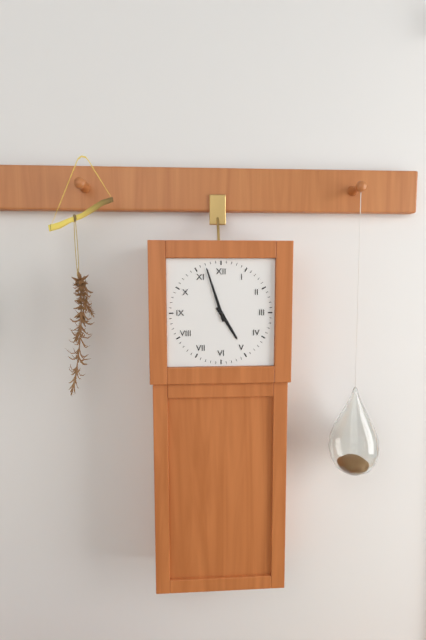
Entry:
4.57
